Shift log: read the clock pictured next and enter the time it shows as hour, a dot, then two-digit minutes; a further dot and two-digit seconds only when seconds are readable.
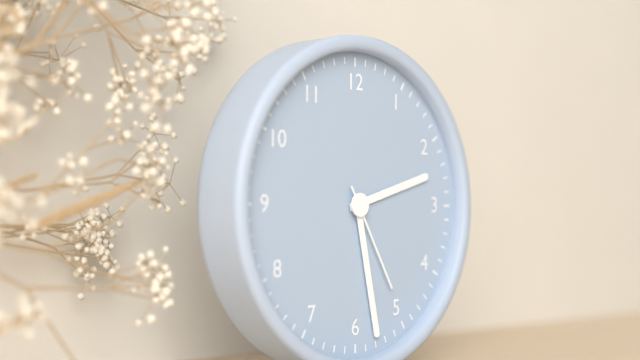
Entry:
2.28.25
